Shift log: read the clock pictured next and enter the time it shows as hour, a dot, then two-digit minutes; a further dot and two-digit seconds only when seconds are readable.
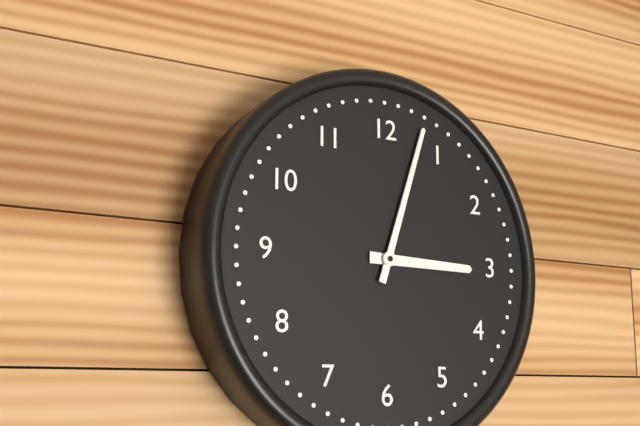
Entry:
3.03
